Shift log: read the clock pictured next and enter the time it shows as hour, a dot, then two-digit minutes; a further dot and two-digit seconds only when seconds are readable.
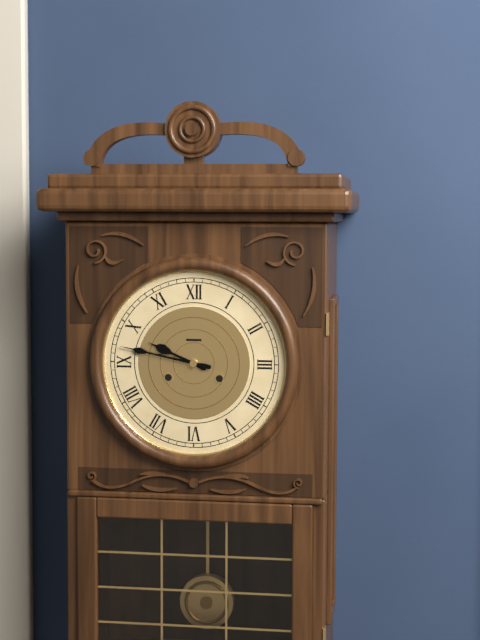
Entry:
9.47
